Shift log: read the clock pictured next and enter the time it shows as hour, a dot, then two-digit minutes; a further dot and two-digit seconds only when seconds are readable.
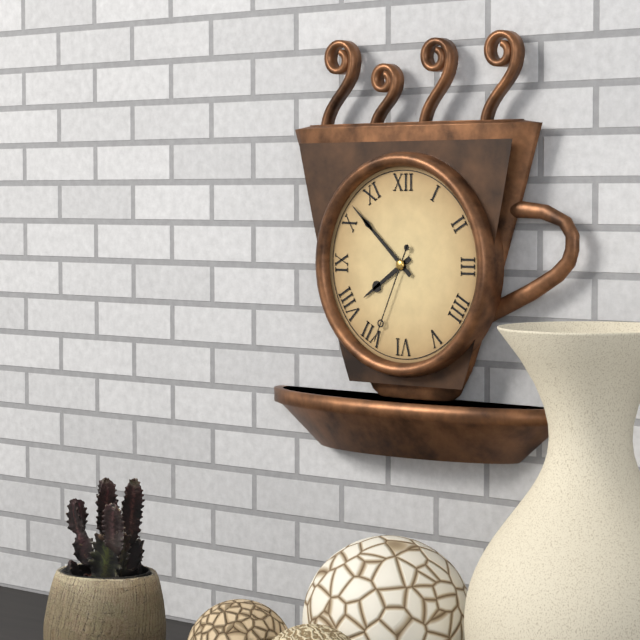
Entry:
7.52.34
